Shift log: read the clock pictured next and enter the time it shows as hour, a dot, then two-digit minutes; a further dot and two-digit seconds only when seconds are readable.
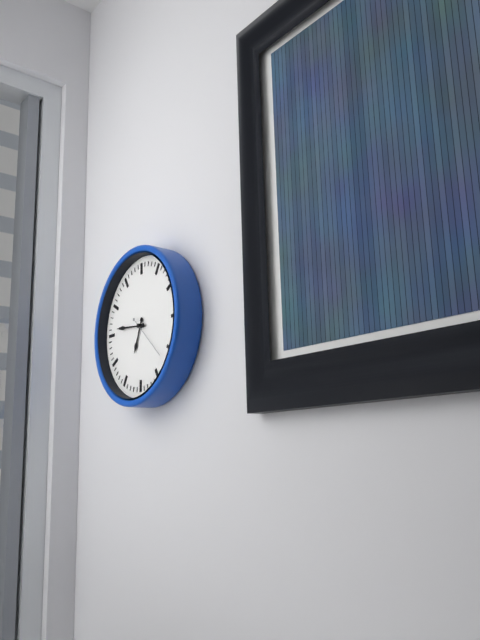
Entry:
6.46
